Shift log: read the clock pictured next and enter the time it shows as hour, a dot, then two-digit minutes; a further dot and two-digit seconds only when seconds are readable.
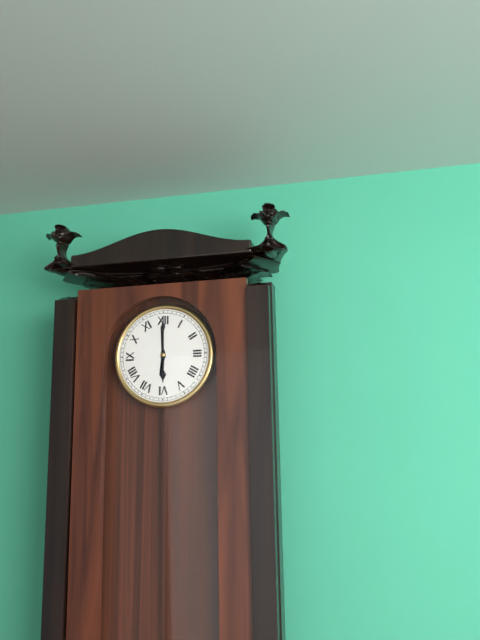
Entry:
6.00
